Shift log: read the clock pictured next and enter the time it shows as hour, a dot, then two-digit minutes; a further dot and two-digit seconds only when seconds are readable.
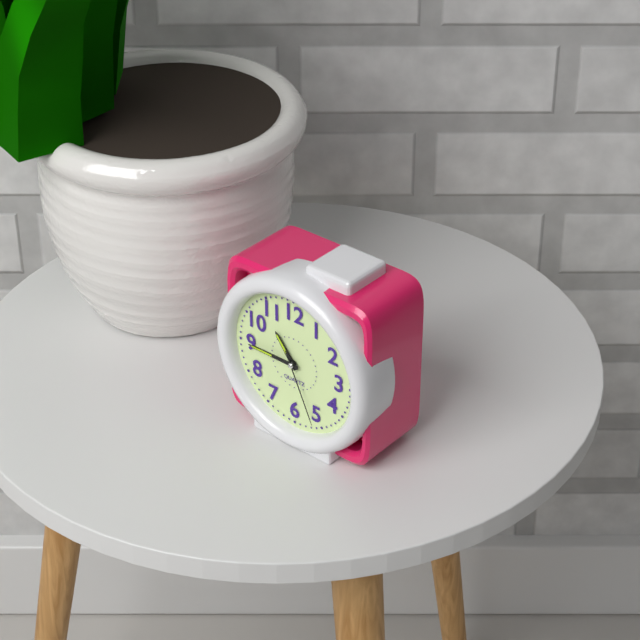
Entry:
10.45.26
